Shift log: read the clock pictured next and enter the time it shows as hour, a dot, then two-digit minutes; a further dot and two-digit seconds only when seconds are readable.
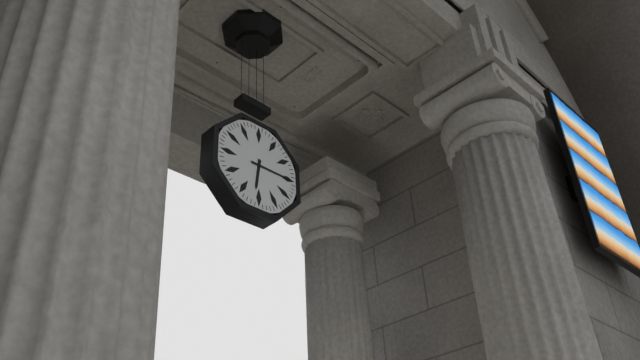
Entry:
6.15
